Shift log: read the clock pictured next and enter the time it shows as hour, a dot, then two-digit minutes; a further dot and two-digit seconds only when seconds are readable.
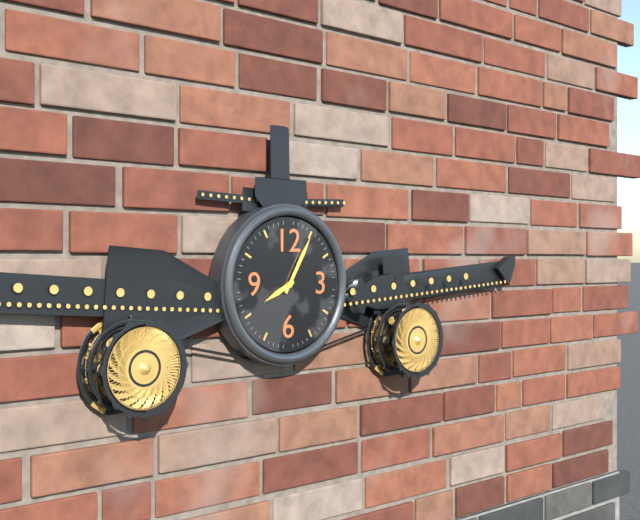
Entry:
8.05
